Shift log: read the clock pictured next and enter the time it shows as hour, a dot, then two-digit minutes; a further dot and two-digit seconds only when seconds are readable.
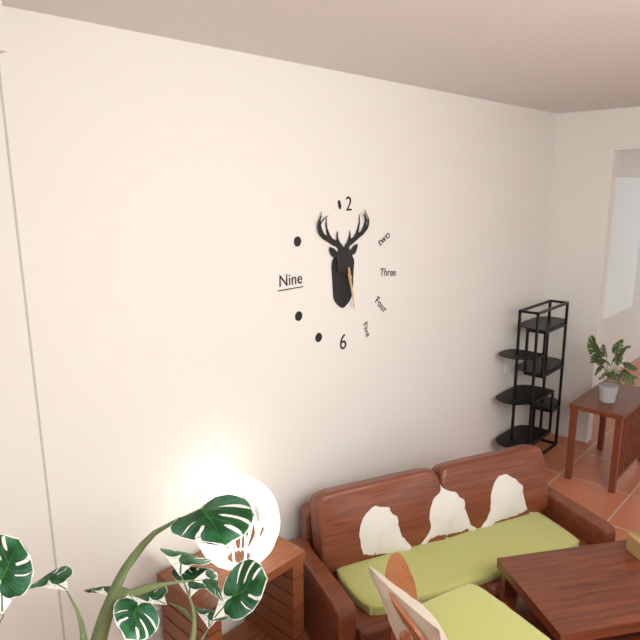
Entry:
5.28
